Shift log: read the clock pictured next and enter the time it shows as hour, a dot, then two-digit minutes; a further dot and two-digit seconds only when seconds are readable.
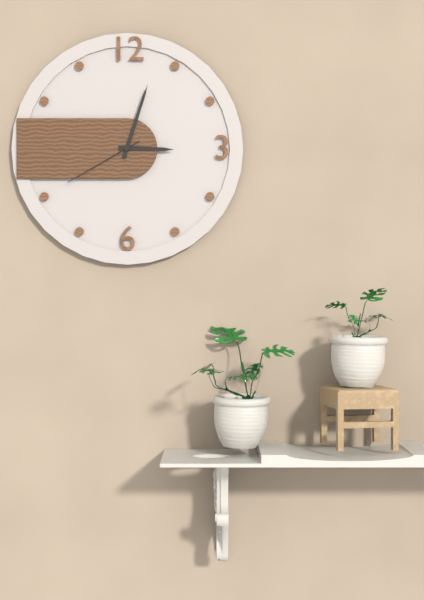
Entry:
3.03.40
